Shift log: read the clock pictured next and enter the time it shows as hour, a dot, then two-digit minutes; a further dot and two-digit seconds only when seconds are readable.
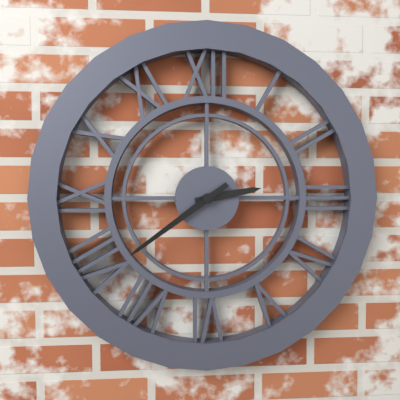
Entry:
2.39
